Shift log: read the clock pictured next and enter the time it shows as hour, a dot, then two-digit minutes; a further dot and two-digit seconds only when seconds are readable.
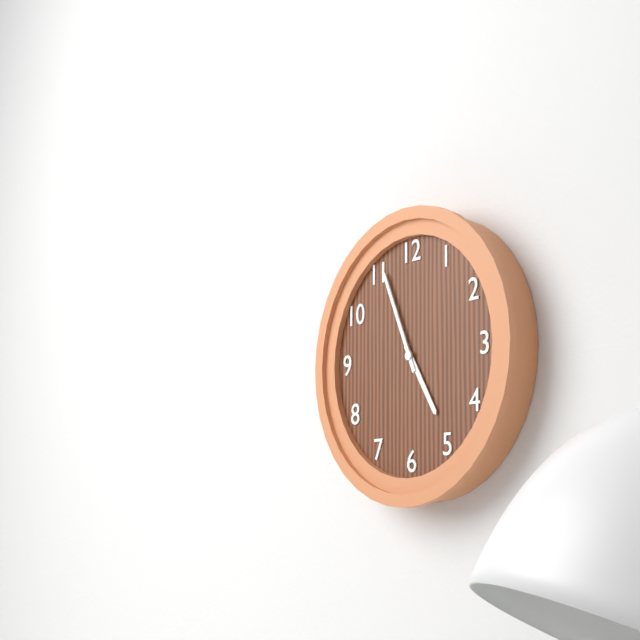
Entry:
4.56
